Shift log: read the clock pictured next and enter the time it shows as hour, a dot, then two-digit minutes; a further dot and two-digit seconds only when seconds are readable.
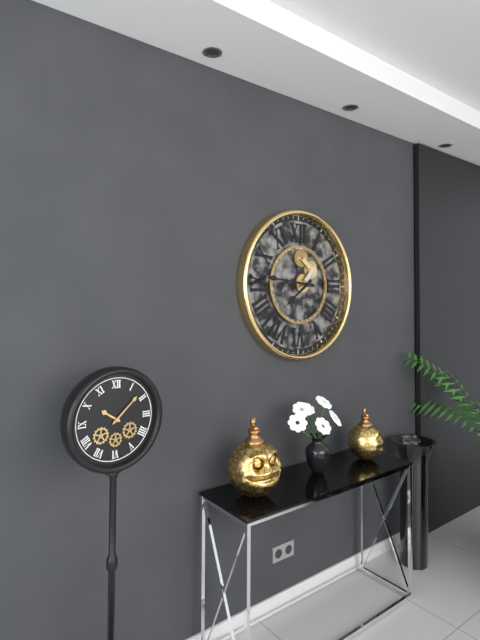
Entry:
7.46
